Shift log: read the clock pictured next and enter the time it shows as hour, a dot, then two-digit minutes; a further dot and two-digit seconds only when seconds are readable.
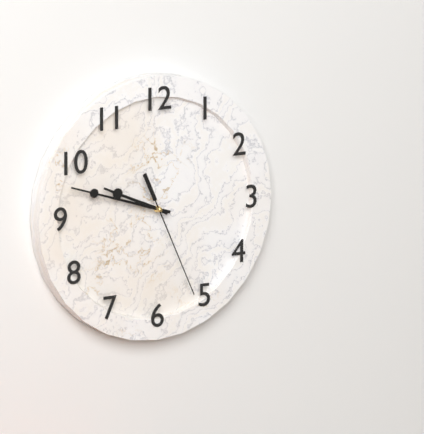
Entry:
9.48.26
